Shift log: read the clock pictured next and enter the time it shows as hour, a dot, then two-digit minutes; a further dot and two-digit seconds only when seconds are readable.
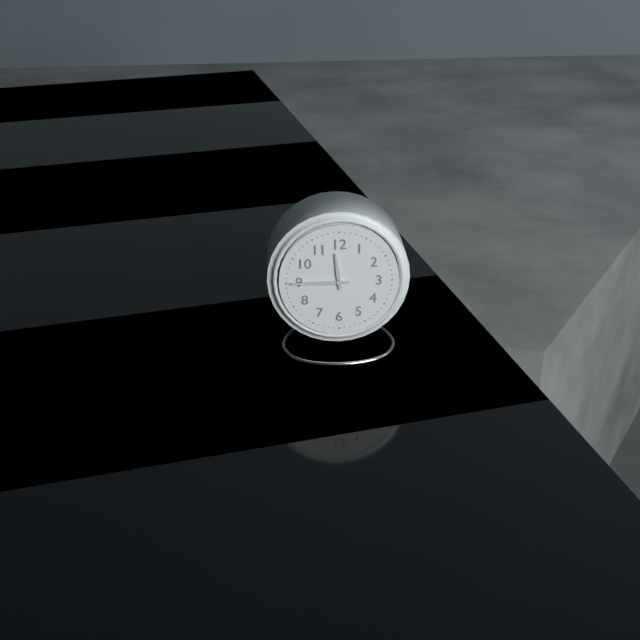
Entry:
11.45
